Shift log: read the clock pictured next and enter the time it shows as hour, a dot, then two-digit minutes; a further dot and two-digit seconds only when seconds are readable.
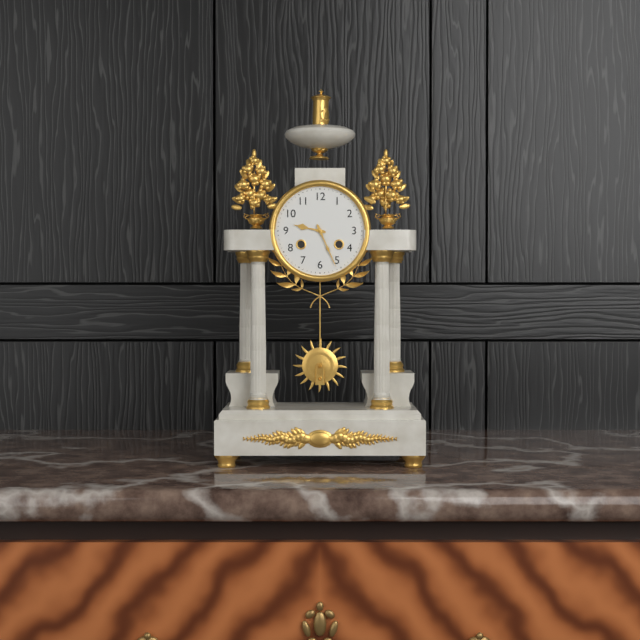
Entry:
9.26
